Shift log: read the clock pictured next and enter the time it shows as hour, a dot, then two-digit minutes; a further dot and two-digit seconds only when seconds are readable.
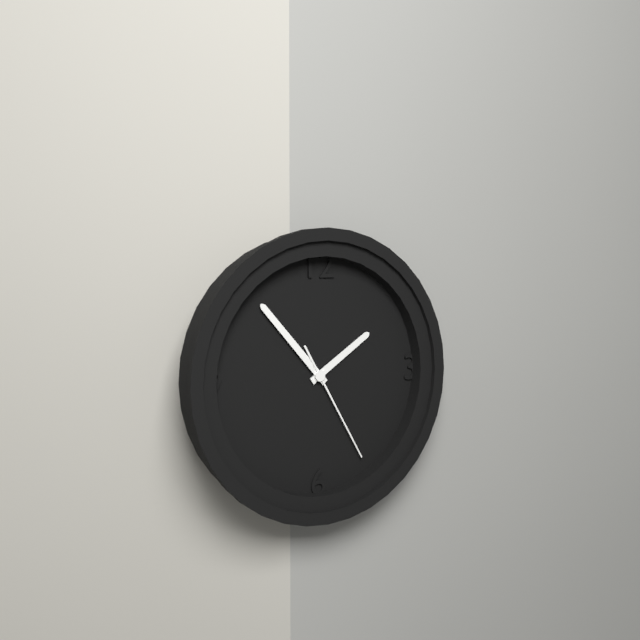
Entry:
1.53.25
